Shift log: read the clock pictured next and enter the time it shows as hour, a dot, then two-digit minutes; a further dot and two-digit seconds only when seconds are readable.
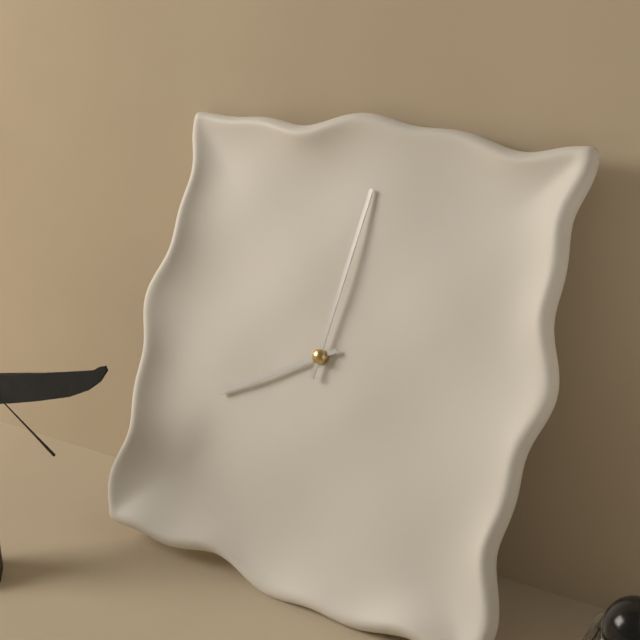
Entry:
8.01
